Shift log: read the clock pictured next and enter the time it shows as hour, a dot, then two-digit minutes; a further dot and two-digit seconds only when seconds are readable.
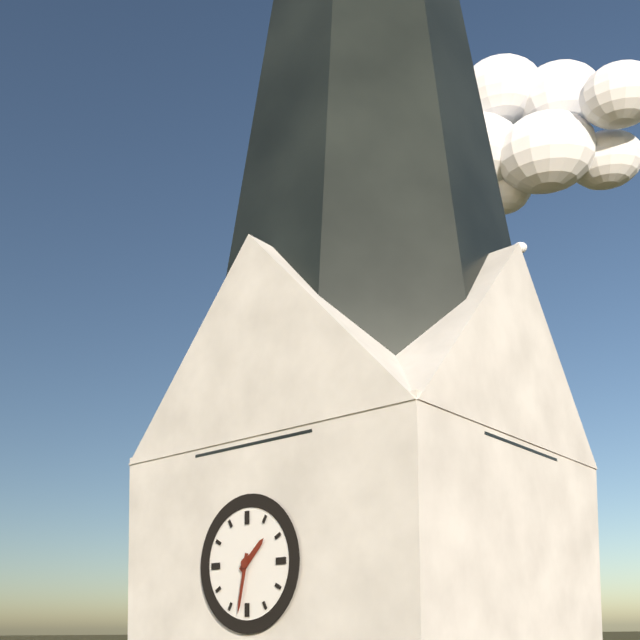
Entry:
1.32
